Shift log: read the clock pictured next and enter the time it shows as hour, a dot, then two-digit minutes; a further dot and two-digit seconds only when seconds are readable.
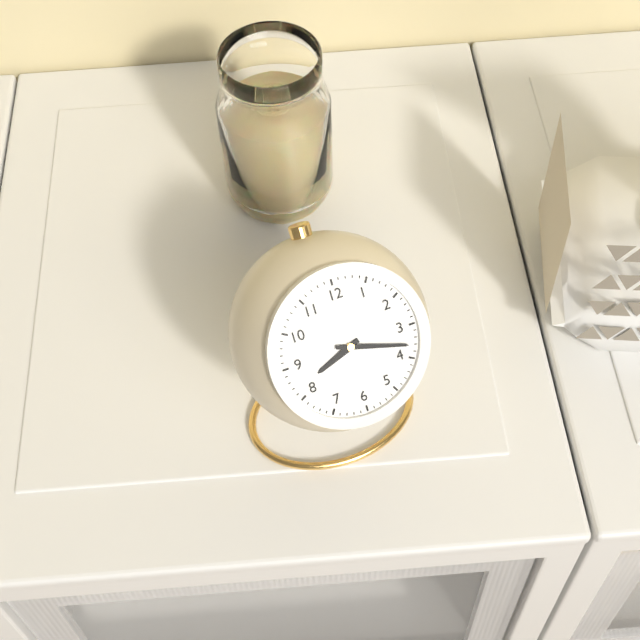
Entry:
8.18
